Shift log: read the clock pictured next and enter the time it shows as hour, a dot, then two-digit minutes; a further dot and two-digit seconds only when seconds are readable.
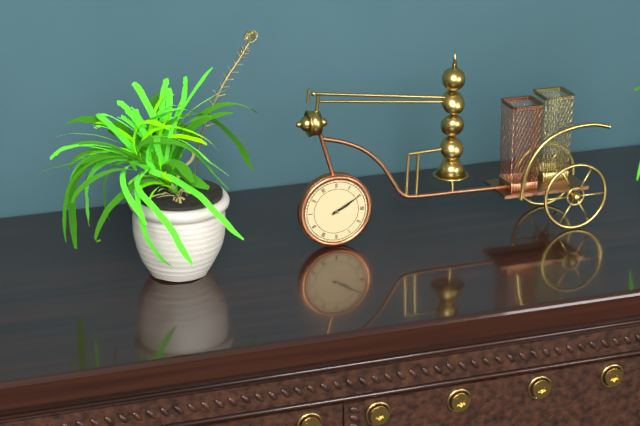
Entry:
2.10
